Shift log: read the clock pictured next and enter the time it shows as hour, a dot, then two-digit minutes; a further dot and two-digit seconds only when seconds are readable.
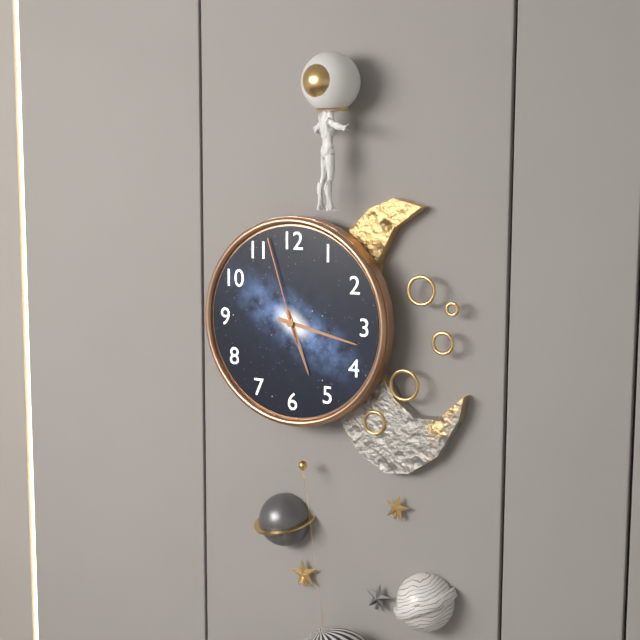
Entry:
5.17.57
